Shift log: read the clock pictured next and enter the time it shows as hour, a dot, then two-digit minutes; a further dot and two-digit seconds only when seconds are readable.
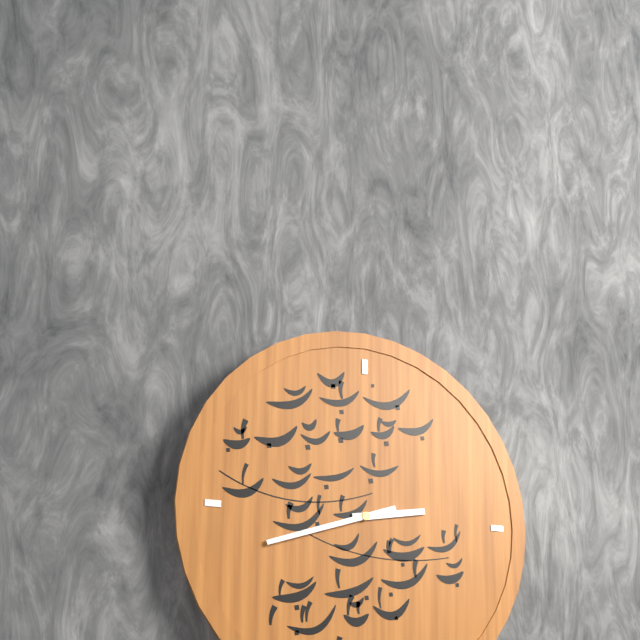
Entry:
2.42
